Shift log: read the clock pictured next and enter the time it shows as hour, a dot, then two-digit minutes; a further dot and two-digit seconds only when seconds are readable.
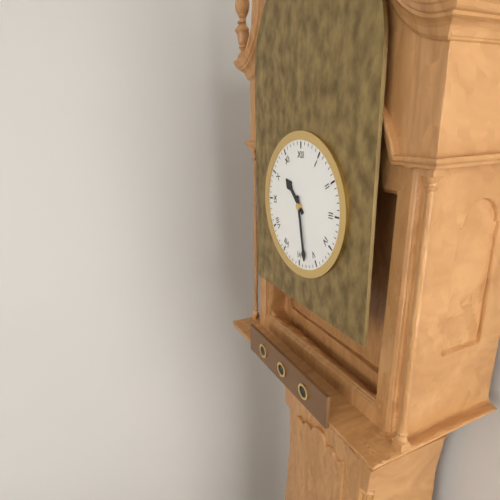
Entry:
10.28
